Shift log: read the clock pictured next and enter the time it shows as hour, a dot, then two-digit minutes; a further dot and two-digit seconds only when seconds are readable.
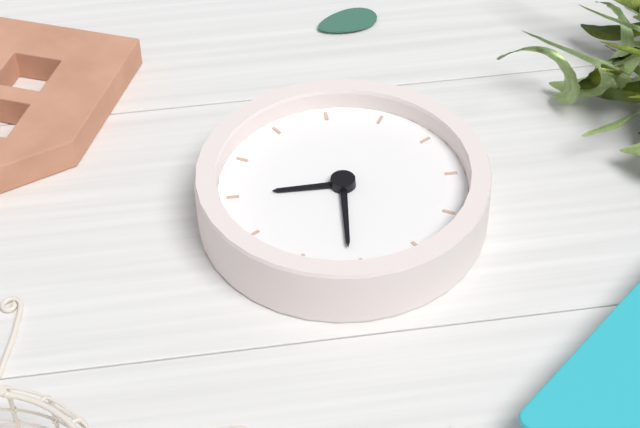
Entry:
3.01
